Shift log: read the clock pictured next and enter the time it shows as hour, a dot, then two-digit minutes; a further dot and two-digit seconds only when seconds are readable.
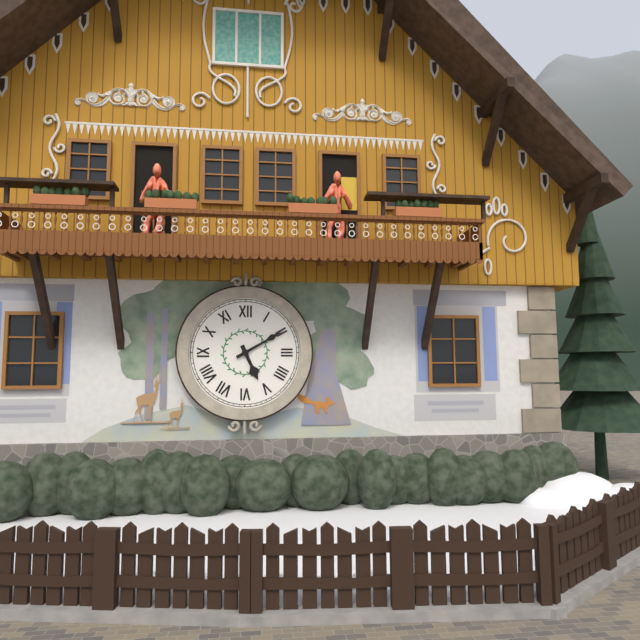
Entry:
5.10
